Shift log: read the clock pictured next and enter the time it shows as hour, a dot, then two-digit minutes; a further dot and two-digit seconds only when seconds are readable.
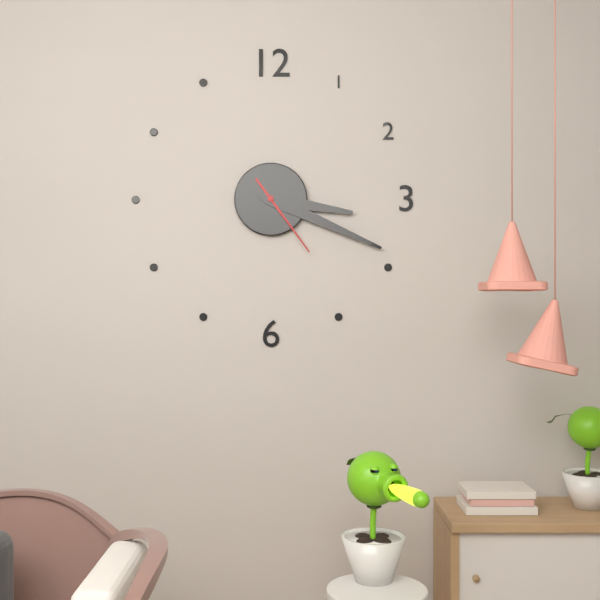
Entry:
3.19.24
